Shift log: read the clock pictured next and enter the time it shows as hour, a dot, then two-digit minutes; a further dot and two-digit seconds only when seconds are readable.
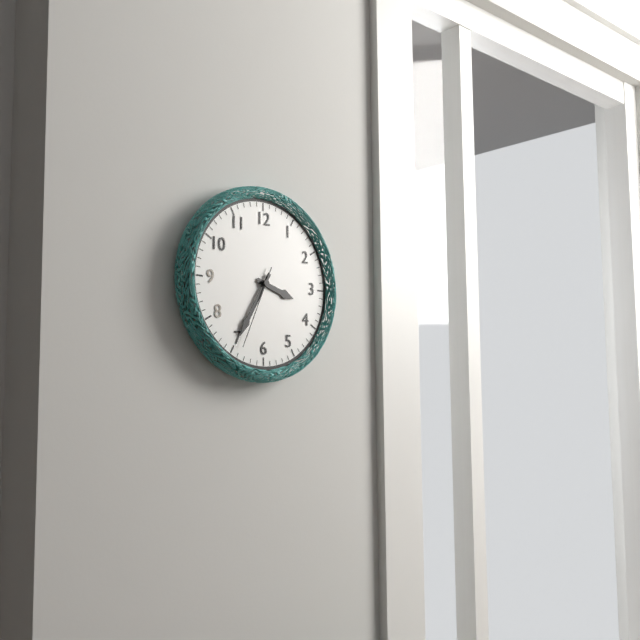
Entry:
3.35.34
